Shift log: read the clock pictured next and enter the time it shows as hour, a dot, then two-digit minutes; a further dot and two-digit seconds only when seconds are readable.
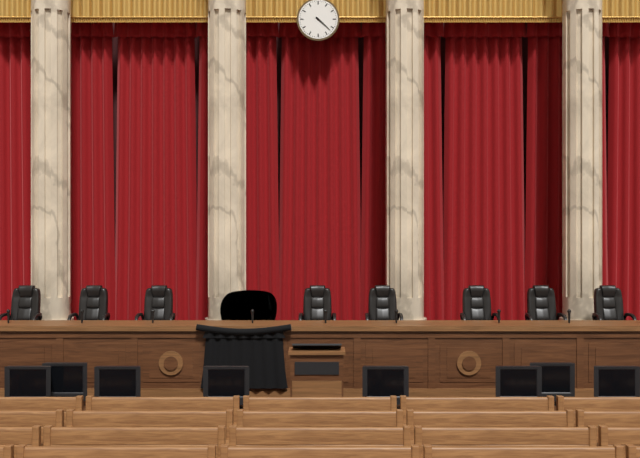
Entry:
4.22
